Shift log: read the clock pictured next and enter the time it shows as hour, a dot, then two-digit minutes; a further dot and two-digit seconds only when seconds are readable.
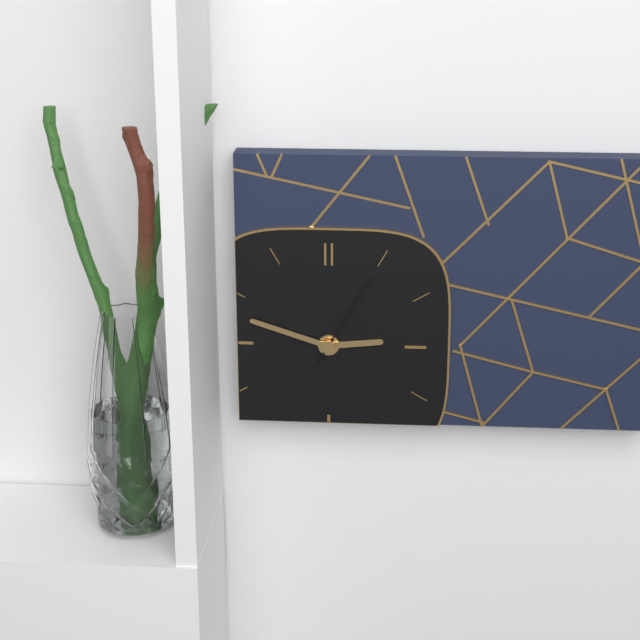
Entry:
2.48.05
